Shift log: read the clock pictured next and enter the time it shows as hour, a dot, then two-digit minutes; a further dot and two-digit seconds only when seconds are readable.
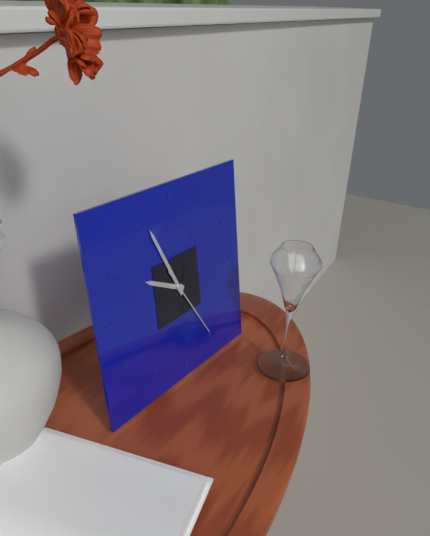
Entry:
9.56.25
